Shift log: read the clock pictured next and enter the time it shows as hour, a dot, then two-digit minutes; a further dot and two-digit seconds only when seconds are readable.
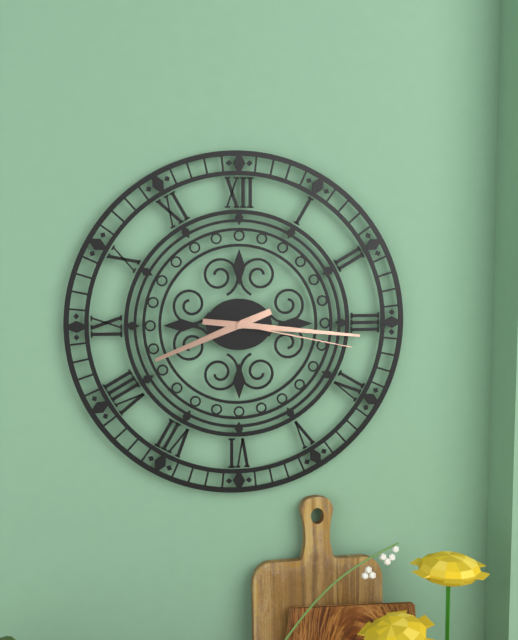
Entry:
8.16.17
